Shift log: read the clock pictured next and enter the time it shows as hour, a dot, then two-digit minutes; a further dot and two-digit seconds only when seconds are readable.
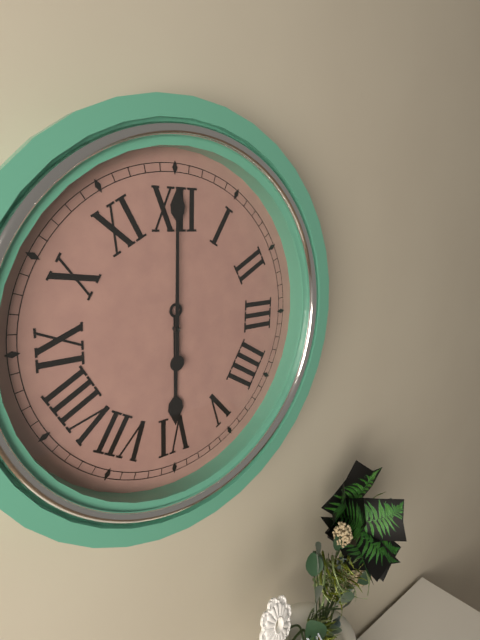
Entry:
6.00
